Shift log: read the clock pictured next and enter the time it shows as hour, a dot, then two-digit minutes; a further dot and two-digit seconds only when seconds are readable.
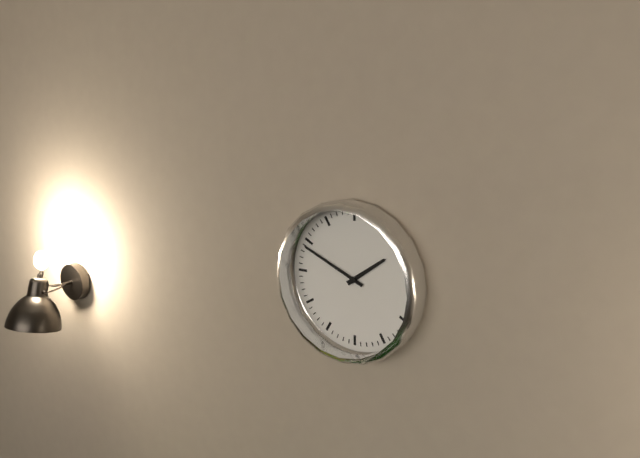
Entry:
1.49
